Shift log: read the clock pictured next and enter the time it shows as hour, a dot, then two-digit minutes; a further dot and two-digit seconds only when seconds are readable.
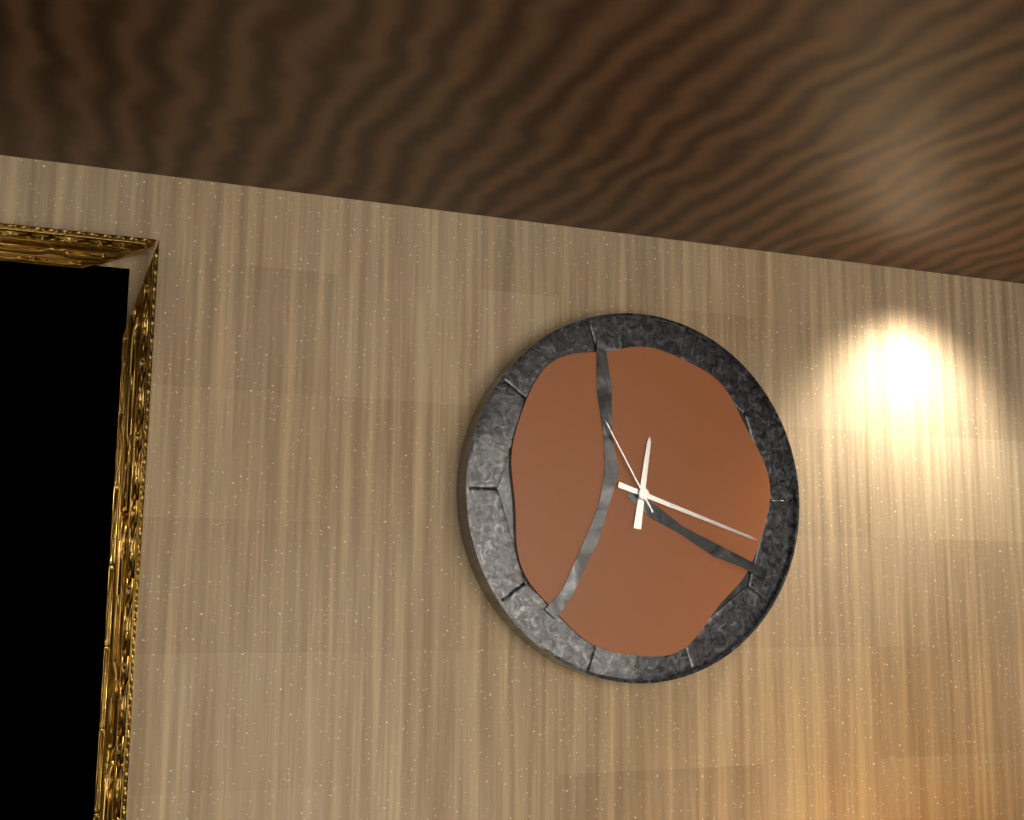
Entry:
12.18.55
